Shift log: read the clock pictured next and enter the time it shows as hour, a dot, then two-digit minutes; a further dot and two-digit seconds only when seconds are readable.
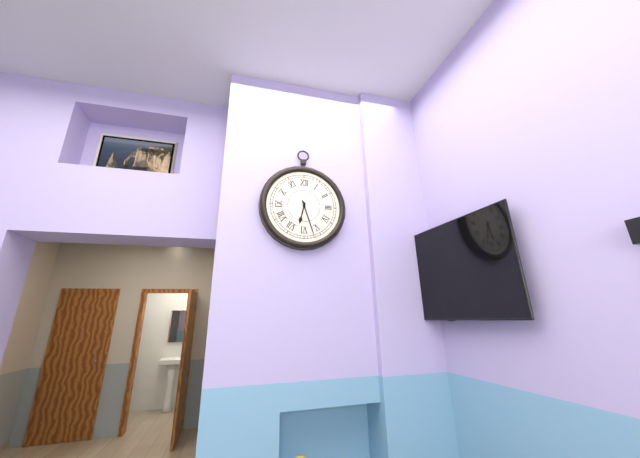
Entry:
6.27
